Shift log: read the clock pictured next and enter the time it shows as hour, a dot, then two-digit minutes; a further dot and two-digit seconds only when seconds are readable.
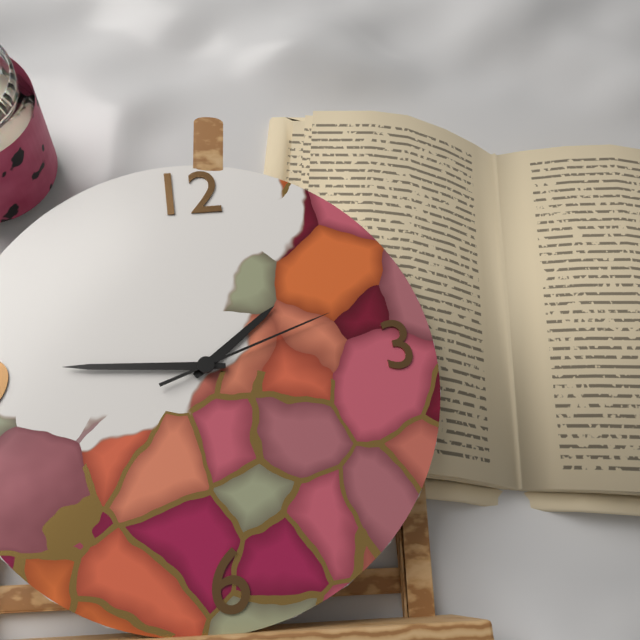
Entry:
1.46.12
